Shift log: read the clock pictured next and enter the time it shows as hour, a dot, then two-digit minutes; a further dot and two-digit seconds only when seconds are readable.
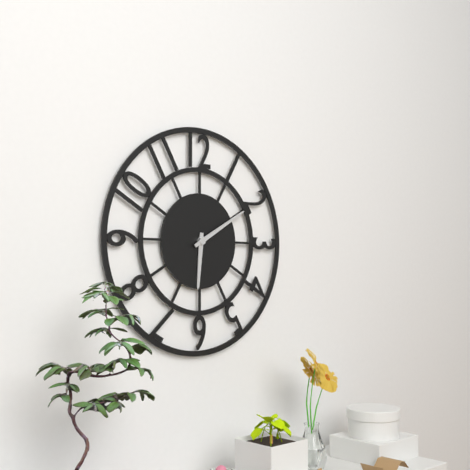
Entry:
6.10
